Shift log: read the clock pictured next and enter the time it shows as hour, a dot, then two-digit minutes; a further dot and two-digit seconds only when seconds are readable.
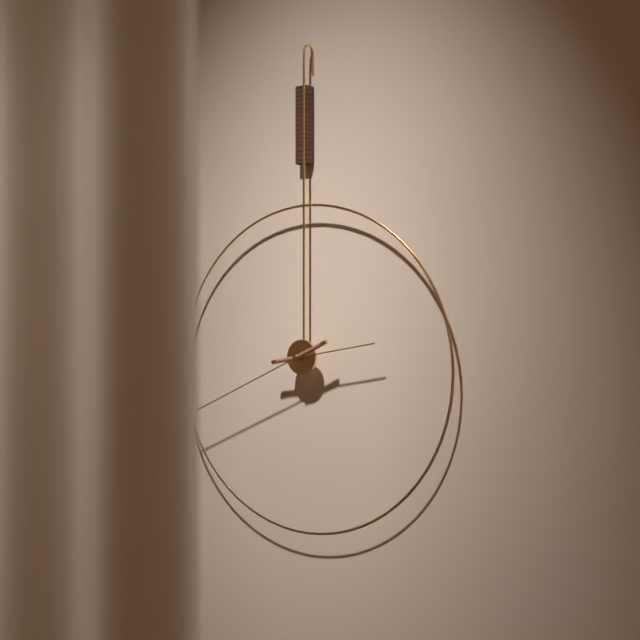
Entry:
2.41
